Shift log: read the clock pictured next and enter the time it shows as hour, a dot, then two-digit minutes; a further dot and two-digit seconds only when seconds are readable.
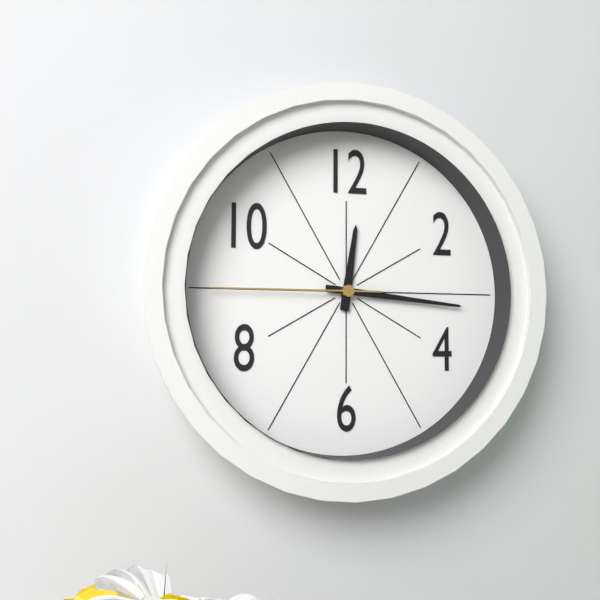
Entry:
12.16.45
